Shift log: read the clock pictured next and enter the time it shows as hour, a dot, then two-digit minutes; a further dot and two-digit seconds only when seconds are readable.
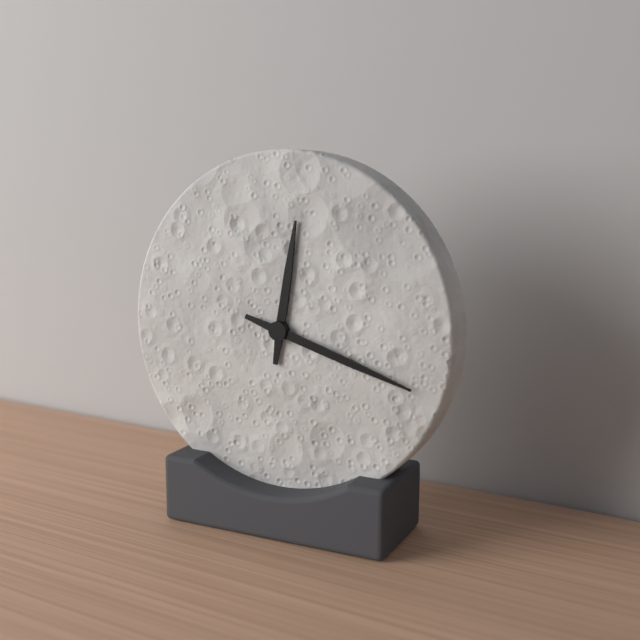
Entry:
12.18
